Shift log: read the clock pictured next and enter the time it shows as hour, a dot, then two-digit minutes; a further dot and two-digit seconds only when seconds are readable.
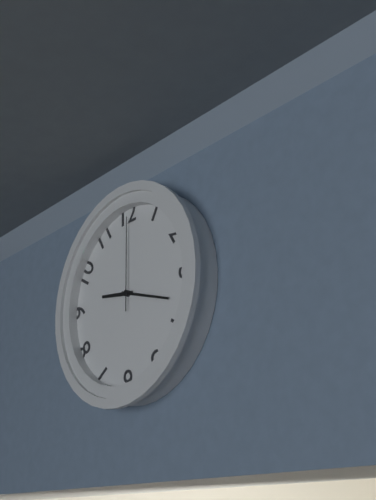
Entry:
9.18.00
